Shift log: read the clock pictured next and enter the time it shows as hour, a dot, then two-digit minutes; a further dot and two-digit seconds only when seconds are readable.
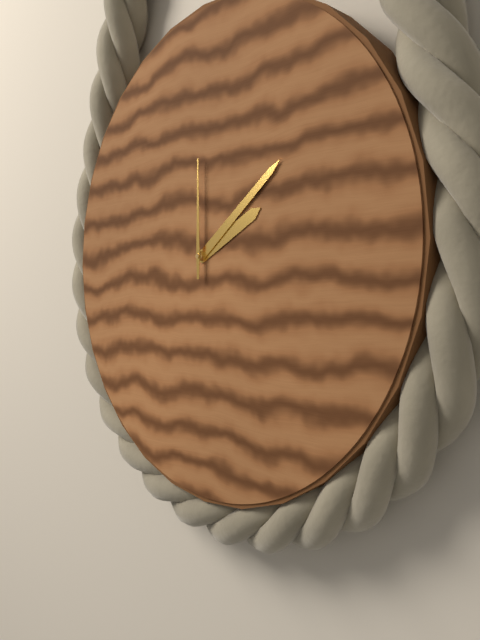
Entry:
2.09.00
